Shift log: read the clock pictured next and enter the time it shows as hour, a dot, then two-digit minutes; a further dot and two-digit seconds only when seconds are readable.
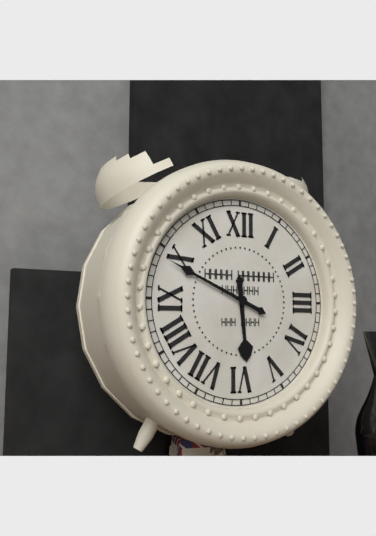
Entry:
5.49
